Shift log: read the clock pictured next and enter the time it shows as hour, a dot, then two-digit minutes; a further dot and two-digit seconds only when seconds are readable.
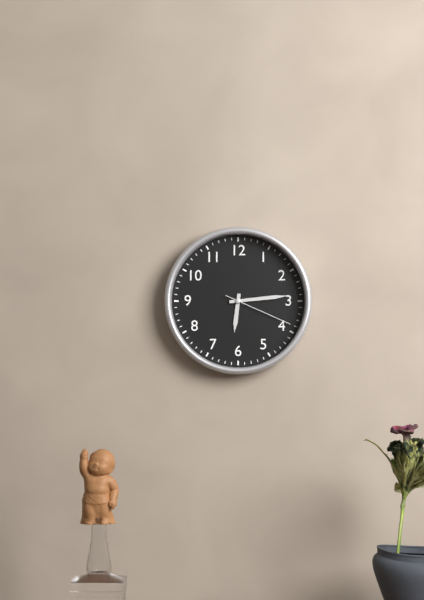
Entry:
6.14.19
